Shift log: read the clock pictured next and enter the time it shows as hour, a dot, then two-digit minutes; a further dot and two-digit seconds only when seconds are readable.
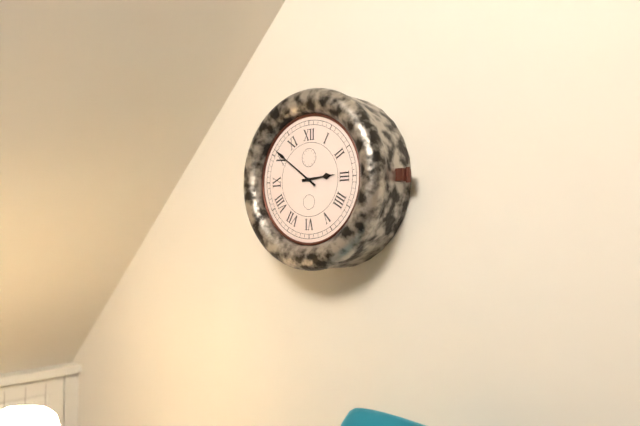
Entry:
2.51
